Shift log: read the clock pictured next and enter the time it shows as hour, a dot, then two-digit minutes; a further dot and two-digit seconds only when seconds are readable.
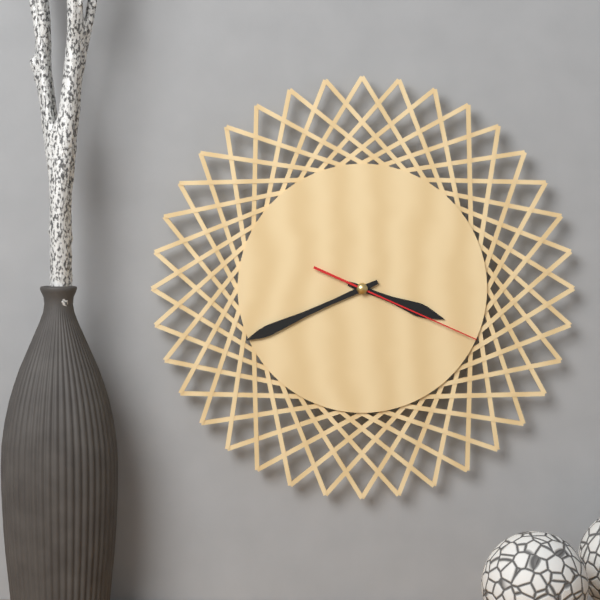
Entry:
3.41.19
